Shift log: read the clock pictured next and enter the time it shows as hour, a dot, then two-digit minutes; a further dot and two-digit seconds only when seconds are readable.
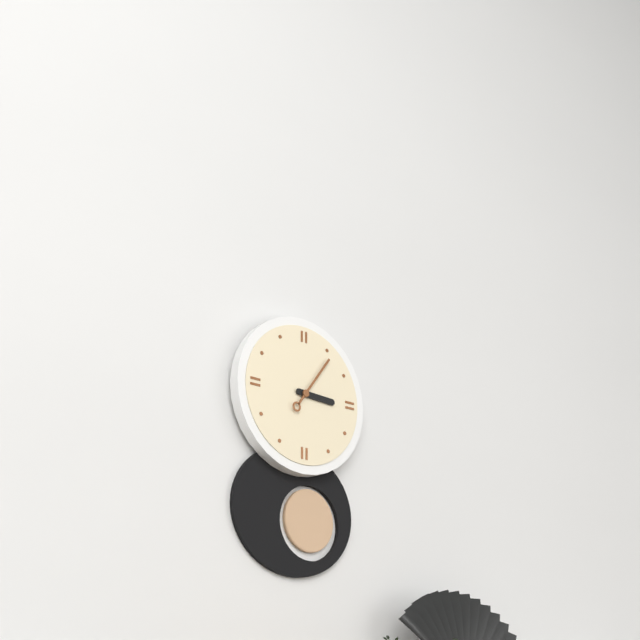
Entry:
3.06
